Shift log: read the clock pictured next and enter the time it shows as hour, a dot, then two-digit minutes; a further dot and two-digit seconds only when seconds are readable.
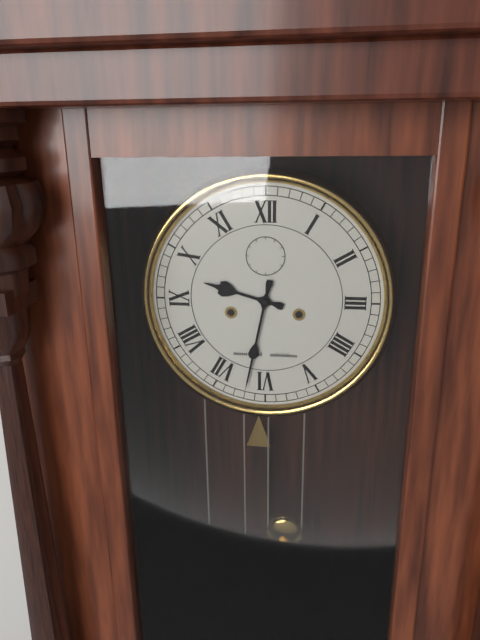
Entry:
9.32
